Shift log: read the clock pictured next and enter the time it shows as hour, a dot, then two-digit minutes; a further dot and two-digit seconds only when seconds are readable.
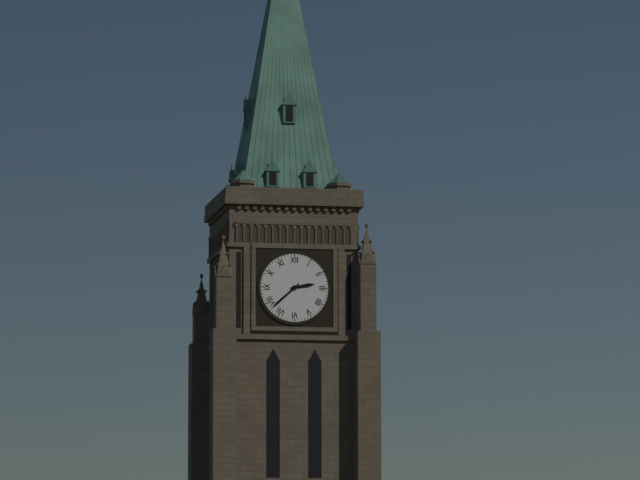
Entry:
2.38
